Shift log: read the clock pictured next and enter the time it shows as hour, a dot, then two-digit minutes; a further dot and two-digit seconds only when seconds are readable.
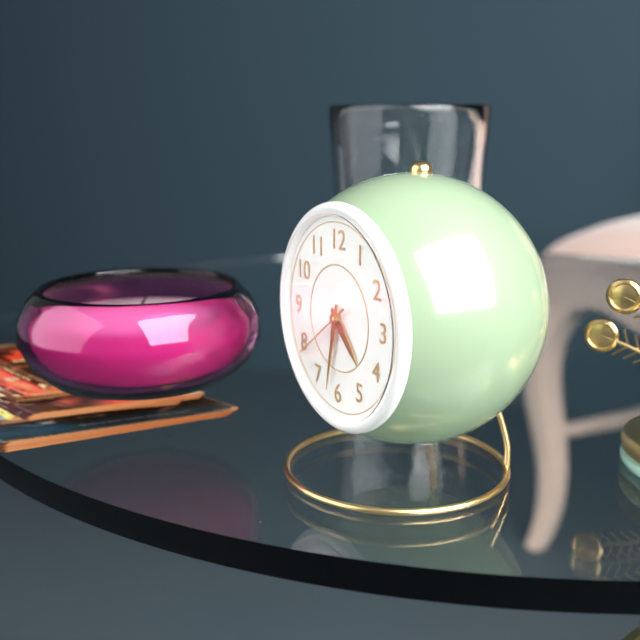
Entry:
4.32.39
